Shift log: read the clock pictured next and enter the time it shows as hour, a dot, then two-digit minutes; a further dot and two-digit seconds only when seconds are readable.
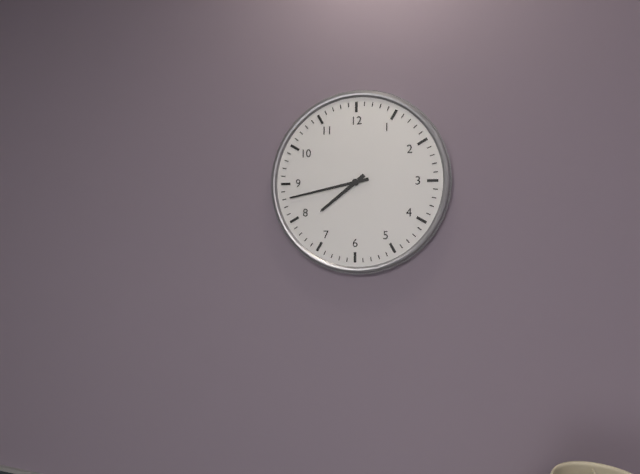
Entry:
7.43
